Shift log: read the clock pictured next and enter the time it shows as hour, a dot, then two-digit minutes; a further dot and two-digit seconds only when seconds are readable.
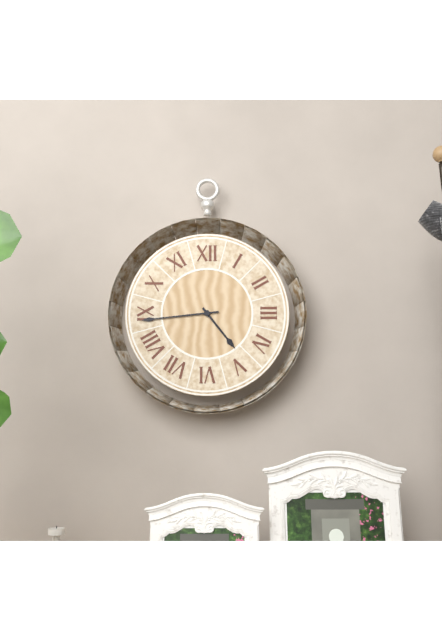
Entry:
4.44
